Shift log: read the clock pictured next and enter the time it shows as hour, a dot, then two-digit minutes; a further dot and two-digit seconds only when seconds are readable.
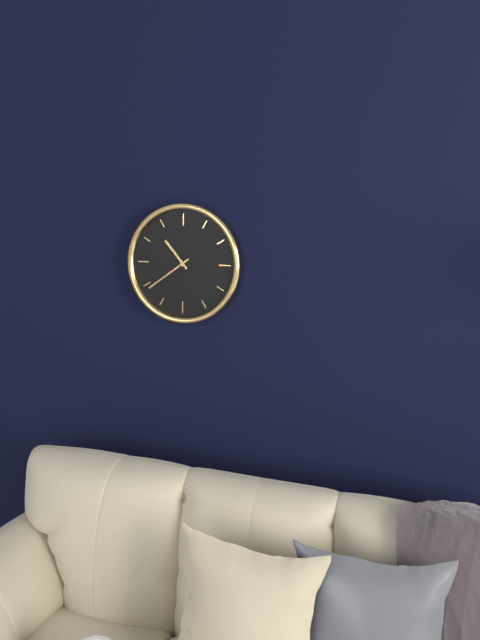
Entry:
10.39
